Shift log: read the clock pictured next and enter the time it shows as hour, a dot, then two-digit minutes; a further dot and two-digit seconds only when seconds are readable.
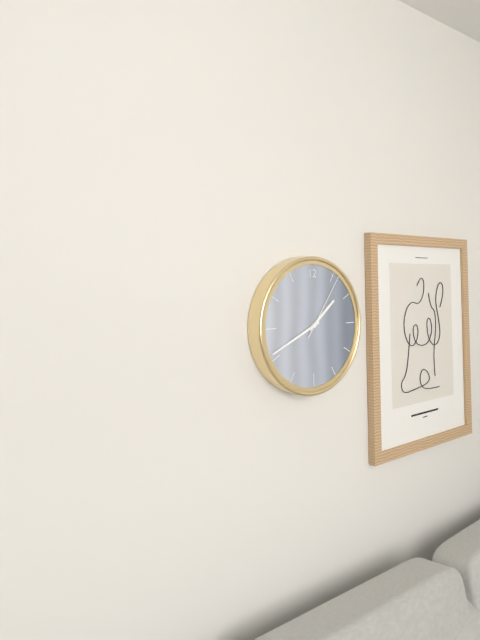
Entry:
1.41.06
